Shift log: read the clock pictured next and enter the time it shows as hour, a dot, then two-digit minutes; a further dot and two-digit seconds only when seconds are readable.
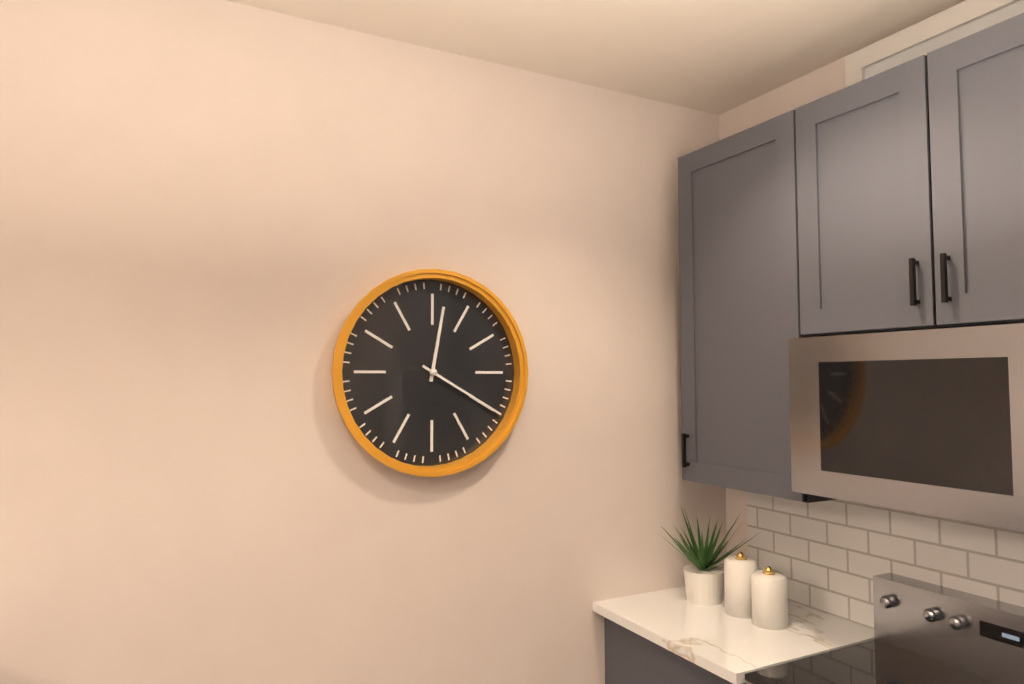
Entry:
12.20
